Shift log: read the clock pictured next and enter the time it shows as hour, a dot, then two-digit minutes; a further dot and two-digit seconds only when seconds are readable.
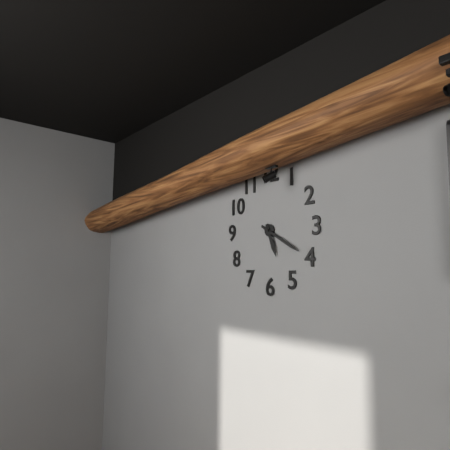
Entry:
5.20
